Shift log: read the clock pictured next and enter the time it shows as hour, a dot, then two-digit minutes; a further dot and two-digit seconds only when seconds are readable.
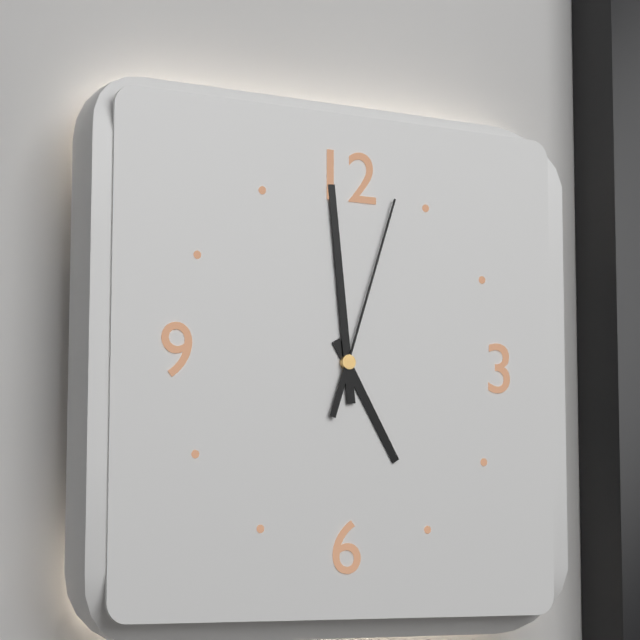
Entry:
4.59.03
